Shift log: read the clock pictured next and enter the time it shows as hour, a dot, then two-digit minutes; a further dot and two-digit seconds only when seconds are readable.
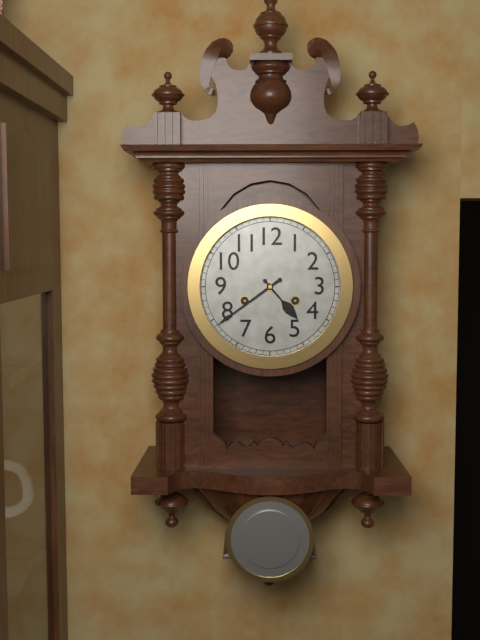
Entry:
4.39
